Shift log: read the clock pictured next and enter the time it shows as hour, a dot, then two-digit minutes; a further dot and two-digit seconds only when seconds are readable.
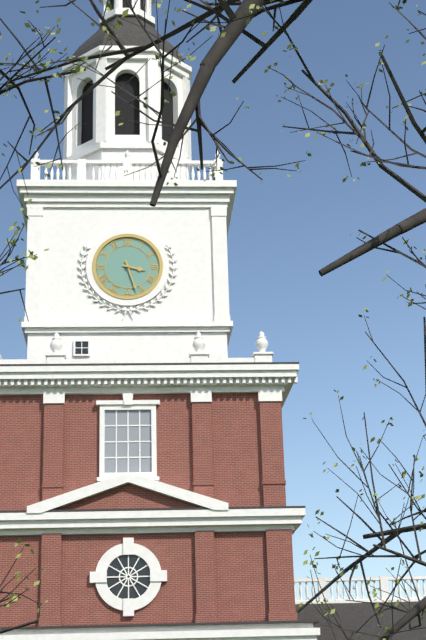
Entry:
3.27
